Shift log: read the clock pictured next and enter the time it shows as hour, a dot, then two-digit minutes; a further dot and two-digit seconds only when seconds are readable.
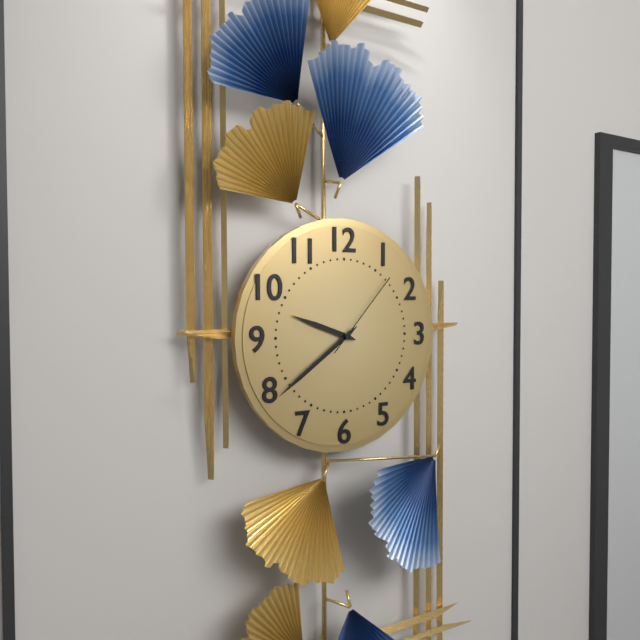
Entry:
9.39.07
